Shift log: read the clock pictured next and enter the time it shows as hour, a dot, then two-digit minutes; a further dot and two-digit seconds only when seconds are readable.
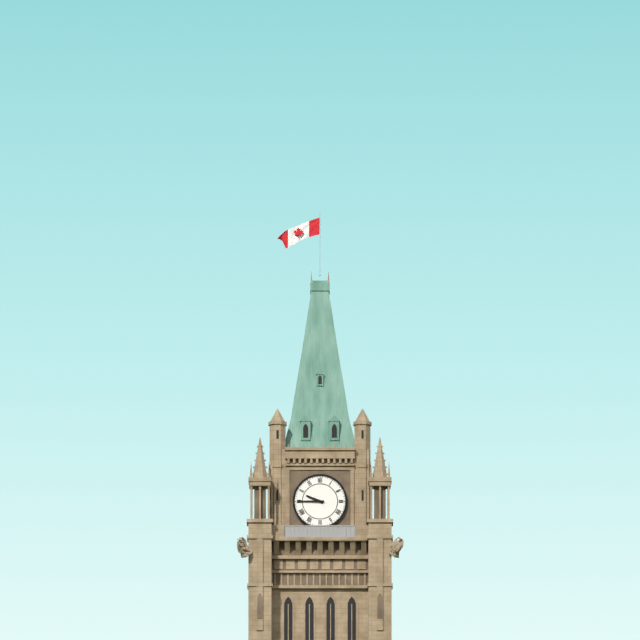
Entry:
9.45
